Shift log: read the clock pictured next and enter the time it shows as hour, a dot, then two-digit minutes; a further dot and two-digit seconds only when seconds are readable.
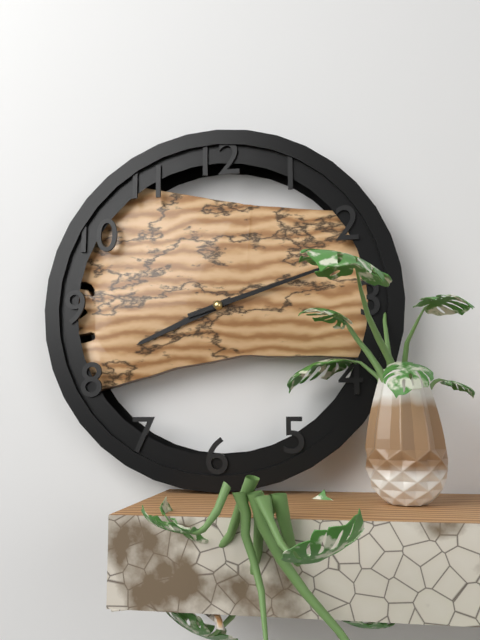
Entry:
8.12
